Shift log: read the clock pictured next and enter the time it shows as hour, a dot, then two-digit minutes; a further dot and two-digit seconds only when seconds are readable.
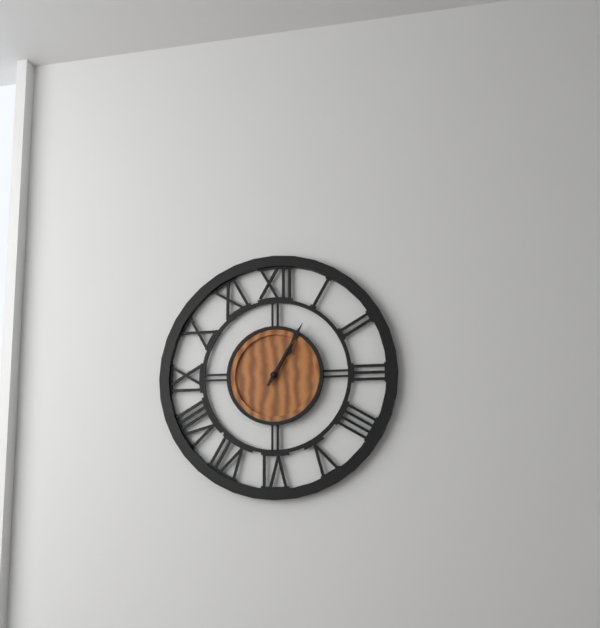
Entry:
1.05
